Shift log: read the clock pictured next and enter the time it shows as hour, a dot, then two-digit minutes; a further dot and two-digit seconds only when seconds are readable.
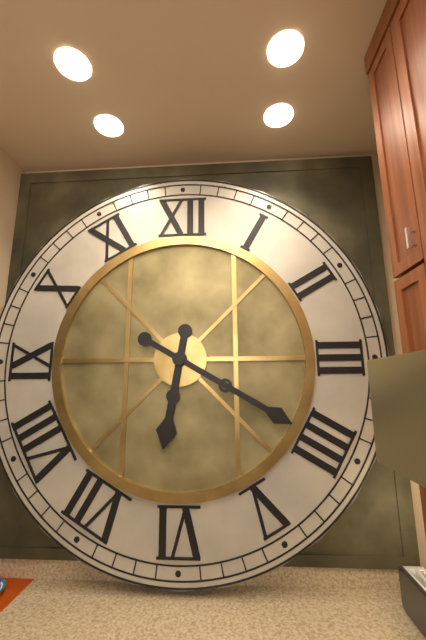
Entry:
6.20
